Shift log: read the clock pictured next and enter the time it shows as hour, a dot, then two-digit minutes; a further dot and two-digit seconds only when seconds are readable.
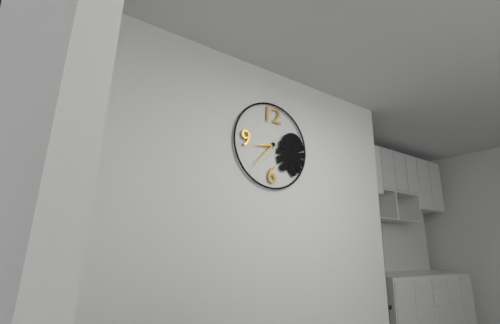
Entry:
8.37
